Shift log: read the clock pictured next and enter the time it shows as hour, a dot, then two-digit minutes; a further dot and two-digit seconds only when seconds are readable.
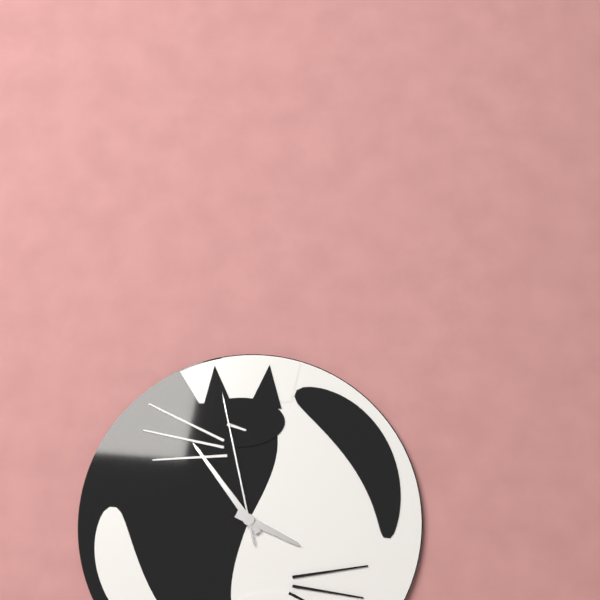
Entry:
3.54.58
